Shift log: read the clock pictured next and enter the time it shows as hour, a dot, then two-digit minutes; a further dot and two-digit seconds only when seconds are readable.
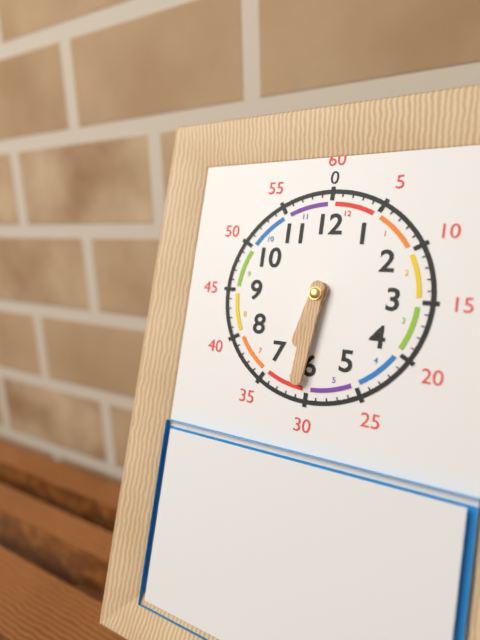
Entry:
6.31
